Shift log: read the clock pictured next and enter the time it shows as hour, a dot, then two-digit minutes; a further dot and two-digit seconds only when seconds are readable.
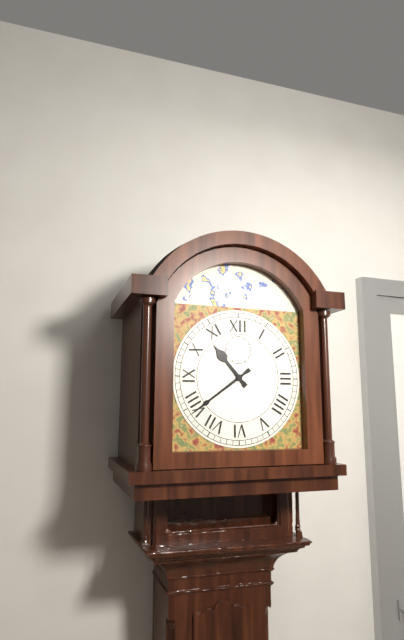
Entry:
10.39
